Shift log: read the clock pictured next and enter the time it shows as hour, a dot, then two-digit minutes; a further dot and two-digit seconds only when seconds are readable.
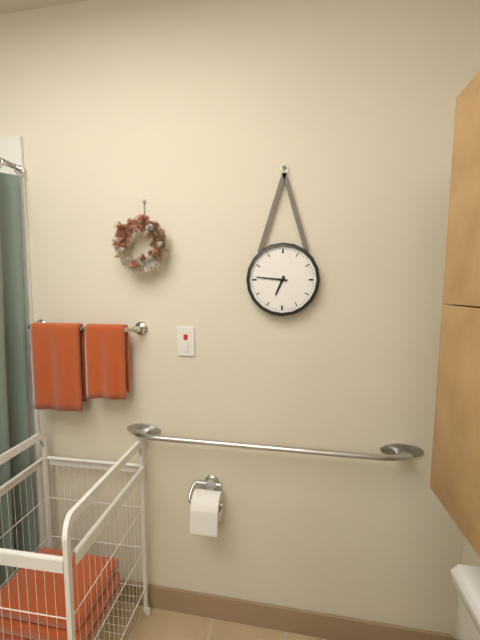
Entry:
6.46
